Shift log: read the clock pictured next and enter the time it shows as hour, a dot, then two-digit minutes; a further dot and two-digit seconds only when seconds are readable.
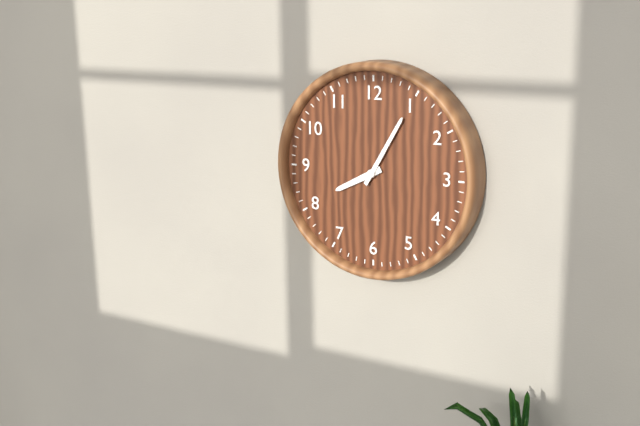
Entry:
8.05
